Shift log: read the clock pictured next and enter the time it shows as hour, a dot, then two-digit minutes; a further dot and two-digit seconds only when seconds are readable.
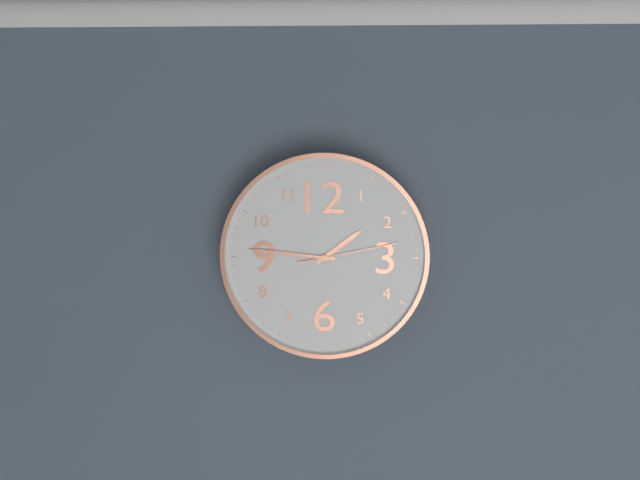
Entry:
1.46.13
